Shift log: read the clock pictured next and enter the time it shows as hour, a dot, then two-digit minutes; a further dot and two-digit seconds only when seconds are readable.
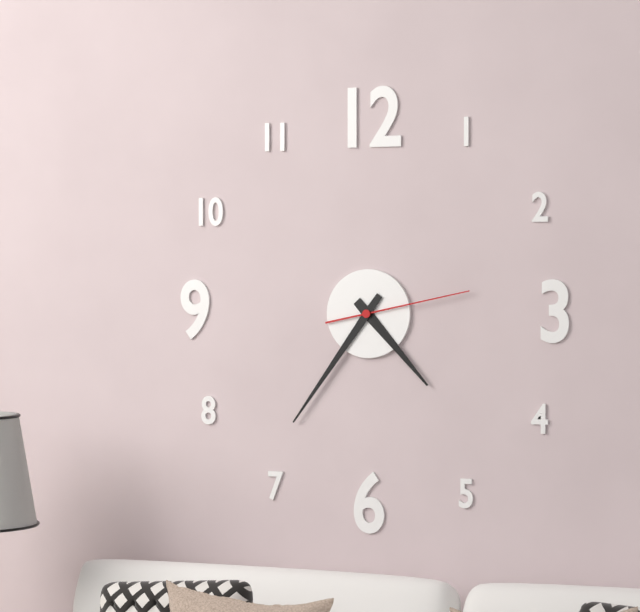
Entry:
4.36.13
